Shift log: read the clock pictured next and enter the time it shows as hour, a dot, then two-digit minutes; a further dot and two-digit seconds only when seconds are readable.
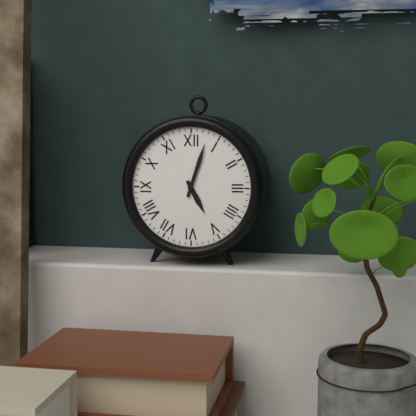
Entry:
5.03
